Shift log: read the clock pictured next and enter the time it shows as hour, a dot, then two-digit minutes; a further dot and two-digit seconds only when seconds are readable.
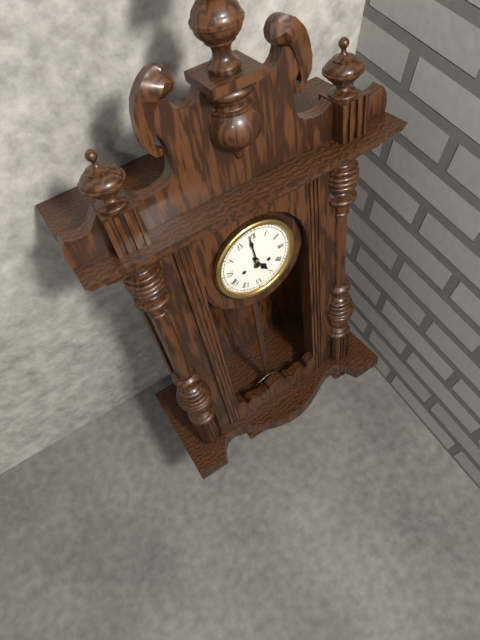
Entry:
4.59
